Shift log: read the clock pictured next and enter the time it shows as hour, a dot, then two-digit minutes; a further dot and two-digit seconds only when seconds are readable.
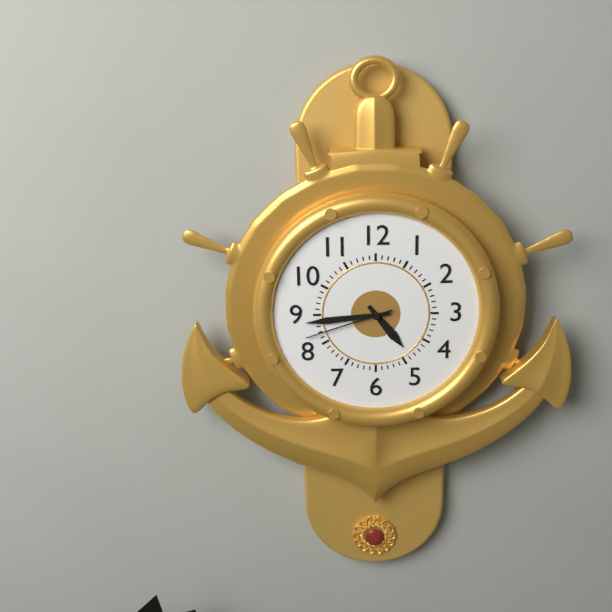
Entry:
4.44.42
